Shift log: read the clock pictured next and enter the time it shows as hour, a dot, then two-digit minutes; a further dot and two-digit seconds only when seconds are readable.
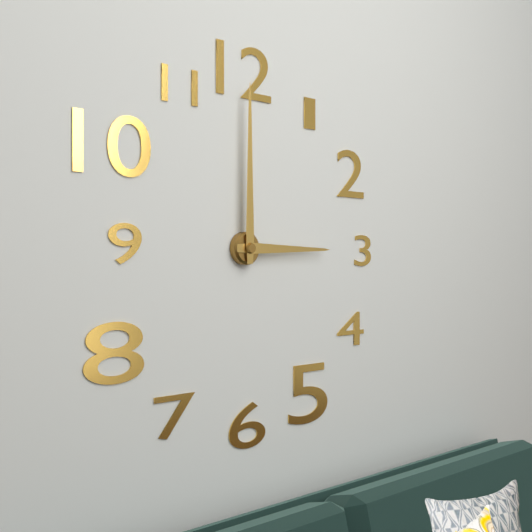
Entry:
3.00
